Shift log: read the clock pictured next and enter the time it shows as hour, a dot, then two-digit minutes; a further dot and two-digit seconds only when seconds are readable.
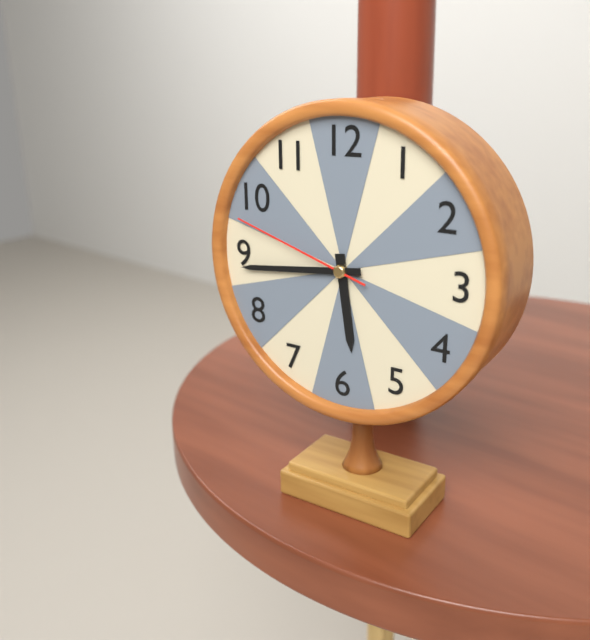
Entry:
5.44.48
